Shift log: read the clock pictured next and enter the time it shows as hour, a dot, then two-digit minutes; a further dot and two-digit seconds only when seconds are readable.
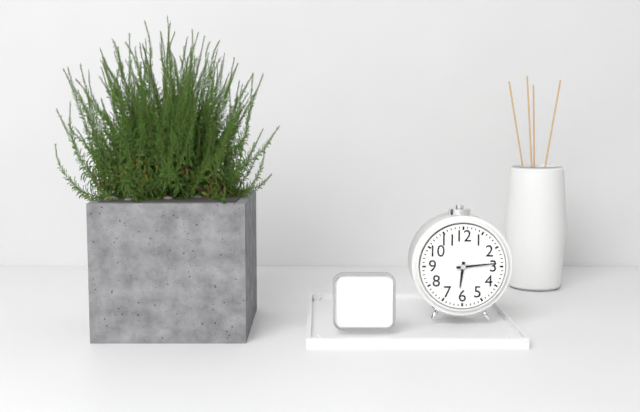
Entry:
6.14
